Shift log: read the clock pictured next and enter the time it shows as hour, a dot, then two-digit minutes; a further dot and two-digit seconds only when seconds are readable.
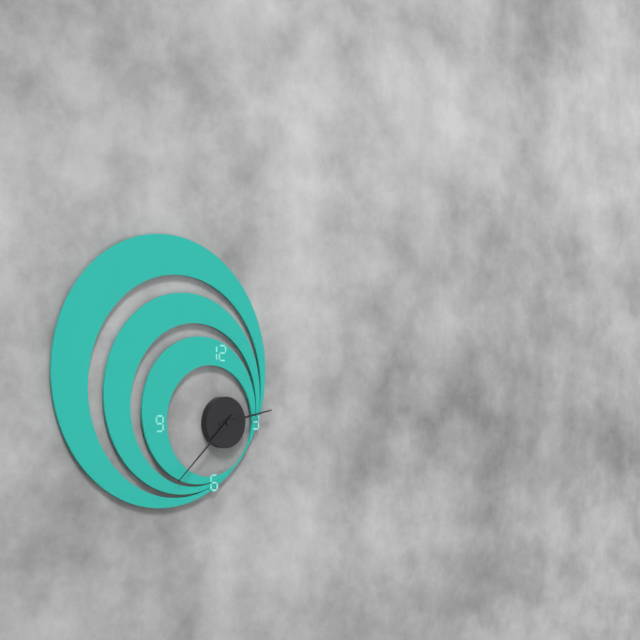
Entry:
2.38
